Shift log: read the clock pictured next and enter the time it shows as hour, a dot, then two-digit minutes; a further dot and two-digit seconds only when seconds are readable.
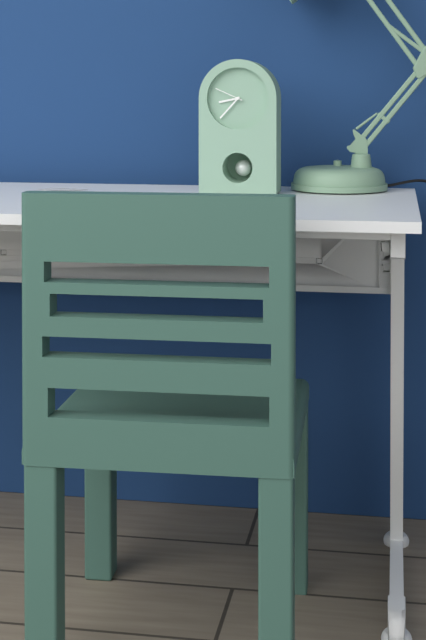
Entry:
8.37
